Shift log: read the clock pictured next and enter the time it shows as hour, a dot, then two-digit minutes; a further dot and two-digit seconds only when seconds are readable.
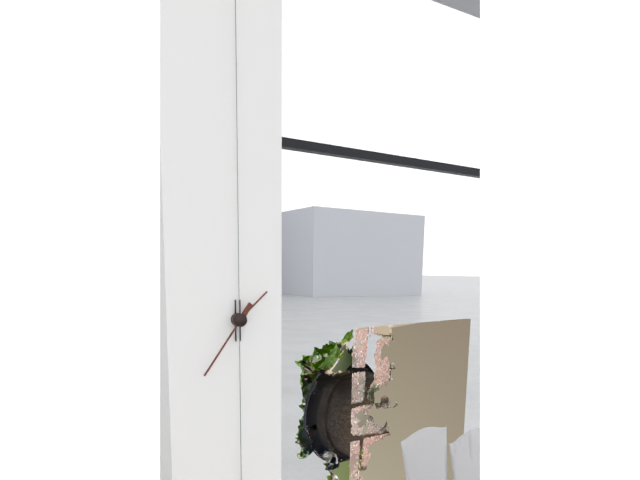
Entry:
1.36
